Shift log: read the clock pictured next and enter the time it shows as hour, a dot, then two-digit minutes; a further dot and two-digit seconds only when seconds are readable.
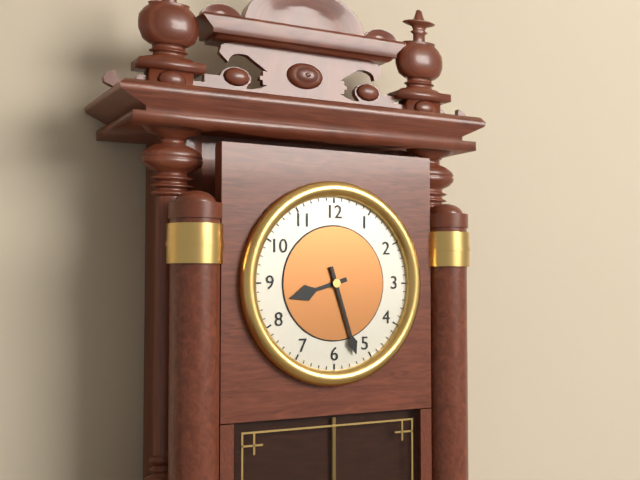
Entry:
8.27
